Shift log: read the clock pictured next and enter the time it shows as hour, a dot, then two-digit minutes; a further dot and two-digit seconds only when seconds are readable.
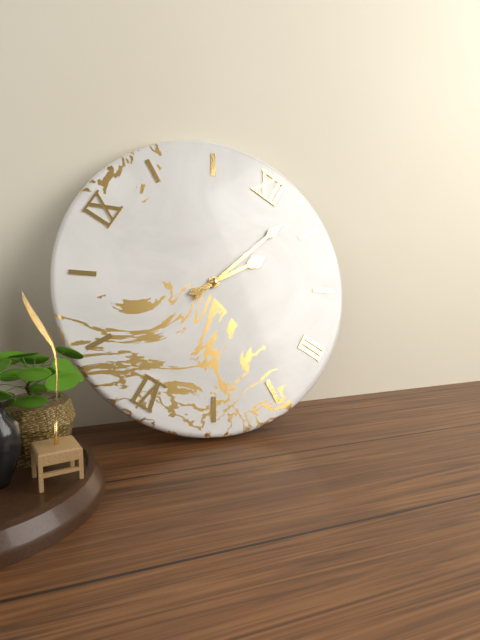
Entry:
1.03
